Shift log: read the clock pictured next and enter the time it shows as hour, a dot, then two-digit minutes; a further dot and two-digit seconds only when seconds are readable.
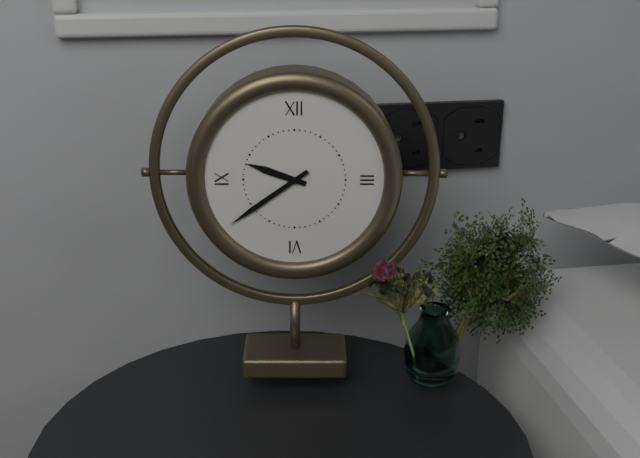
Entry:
9.39
